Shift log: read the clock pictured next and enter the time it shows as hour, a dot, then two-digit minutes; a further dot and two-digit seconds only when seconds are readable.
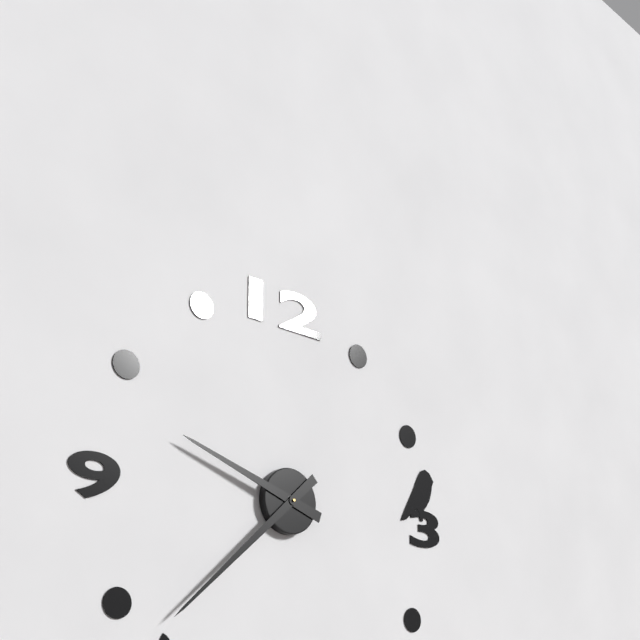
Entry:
9.38
